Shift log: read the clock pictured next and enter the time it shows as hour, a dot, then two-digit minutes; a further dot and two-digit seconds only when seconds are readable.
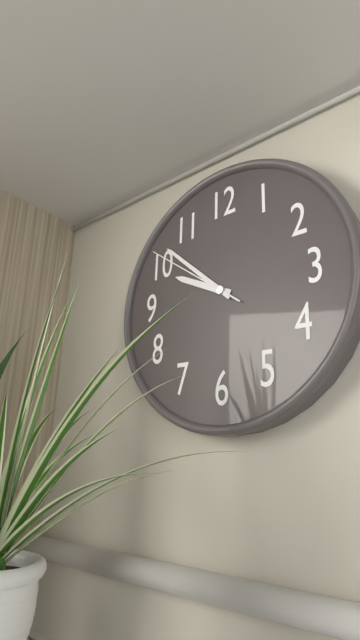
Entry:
9.52.51
